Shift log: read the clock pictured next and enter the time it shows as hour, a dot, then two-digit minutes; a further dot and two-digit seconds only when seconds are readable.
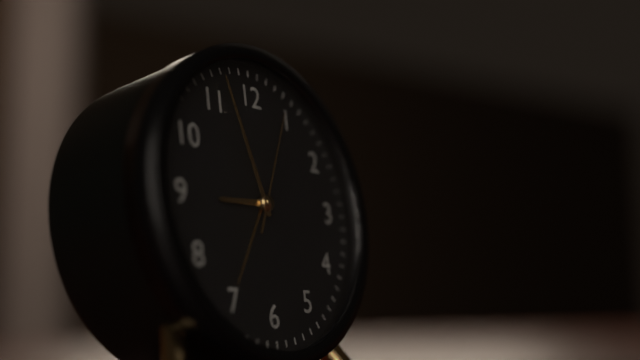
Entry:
8.57.04
